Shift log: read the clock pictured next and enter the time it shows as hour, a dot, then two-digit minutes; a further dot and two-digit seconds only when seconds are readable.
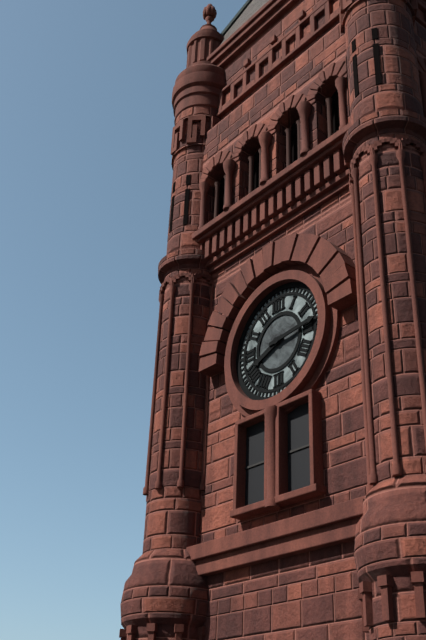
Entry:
8.14
